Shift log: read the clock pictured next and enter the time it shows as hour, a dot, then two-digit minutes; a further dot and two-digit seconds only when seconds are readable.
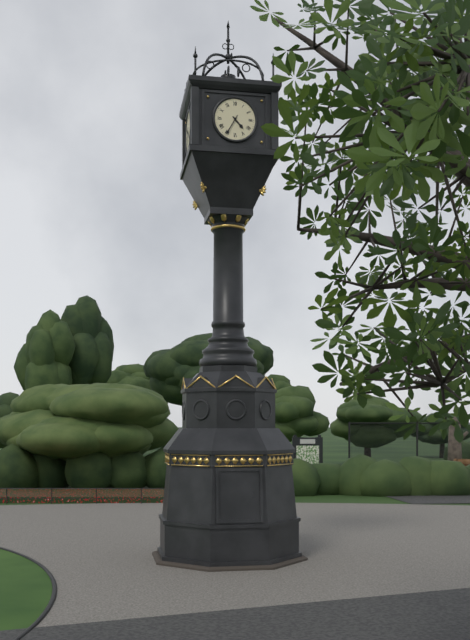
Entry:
4.35
